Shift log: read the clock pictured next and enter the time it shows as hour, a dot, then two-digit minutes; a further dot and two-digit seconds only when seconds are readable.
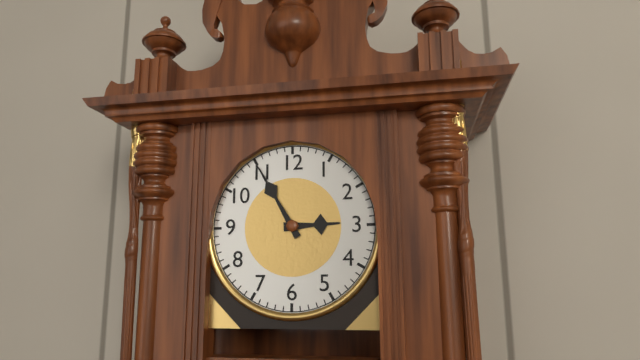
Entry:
2.55
